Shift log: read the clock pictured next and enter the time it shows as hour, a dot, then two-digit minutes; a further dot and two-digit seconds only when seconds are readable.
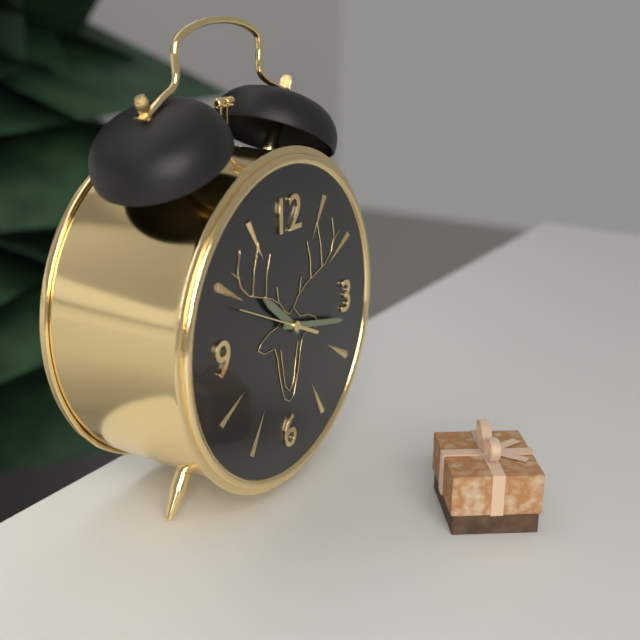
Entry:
10.17.49
